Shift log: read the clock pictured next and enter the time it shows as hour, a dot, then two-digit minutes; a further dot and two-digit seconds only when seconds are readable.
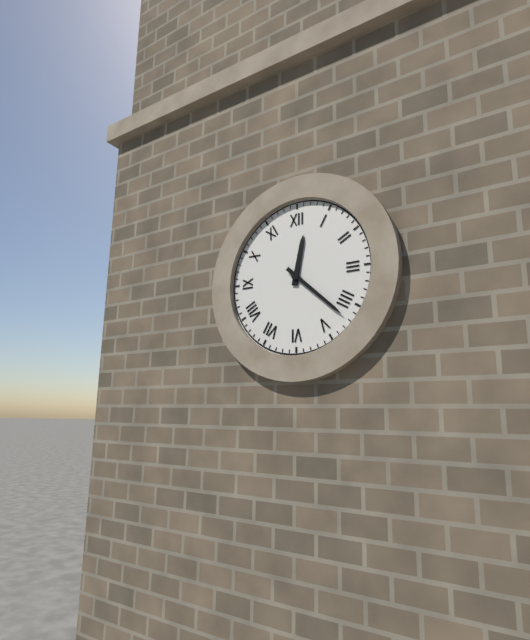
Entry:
12.22
